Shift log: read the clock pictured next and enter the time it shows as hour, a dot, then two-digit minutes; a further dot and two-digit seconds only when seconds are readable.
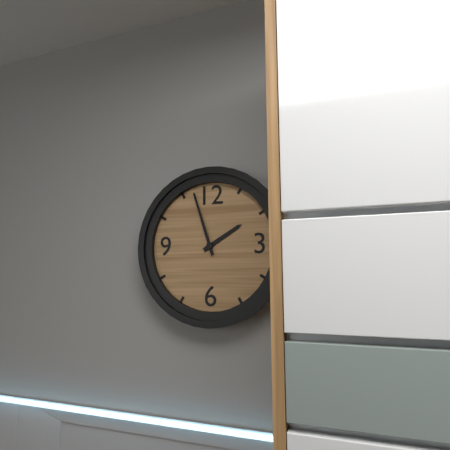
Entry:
1.57
